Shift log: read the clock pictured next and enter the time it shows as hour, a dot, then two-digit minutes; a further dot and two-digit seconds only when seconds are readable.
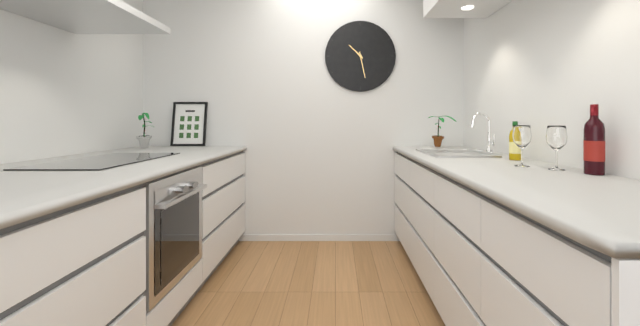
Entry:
10.28
